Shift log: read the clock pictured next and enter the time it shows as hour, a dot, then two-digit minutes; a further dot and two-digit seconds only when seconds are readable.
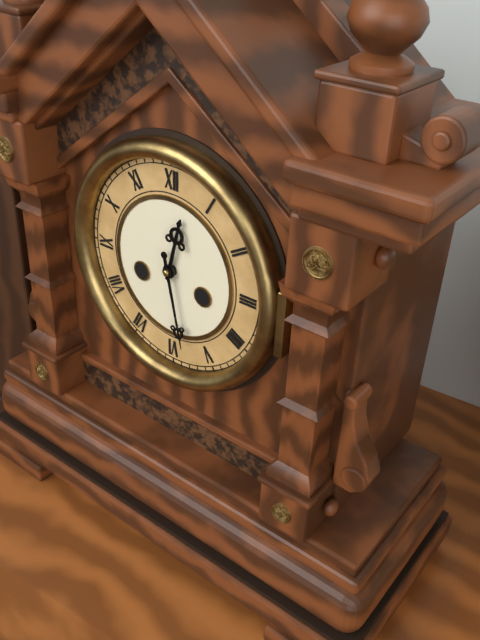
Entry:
12.28
